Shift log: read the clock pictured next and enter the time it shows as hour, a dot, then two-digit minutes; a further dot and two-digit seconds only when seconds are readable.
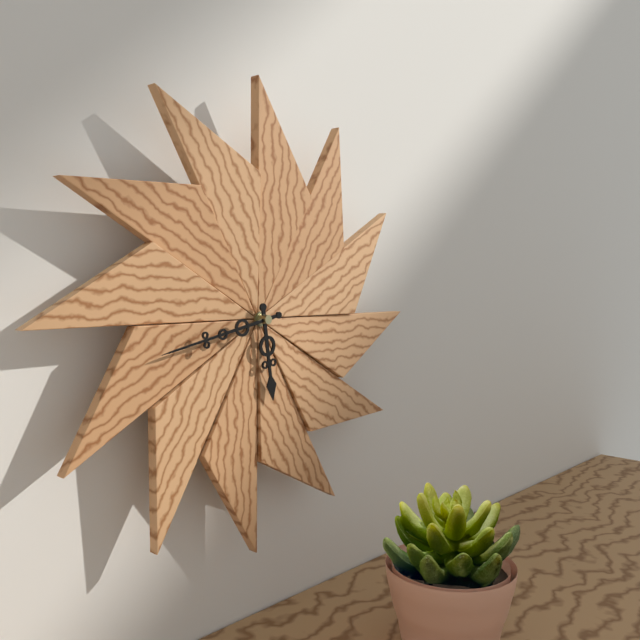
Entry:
5.43
